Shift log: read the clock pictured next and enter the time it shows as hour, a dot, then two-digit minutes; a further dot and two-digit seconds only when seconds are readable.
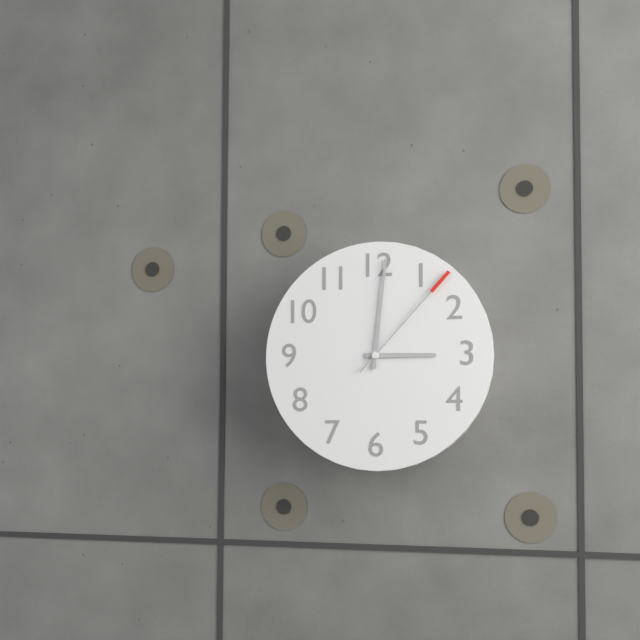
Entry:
3.01.07
